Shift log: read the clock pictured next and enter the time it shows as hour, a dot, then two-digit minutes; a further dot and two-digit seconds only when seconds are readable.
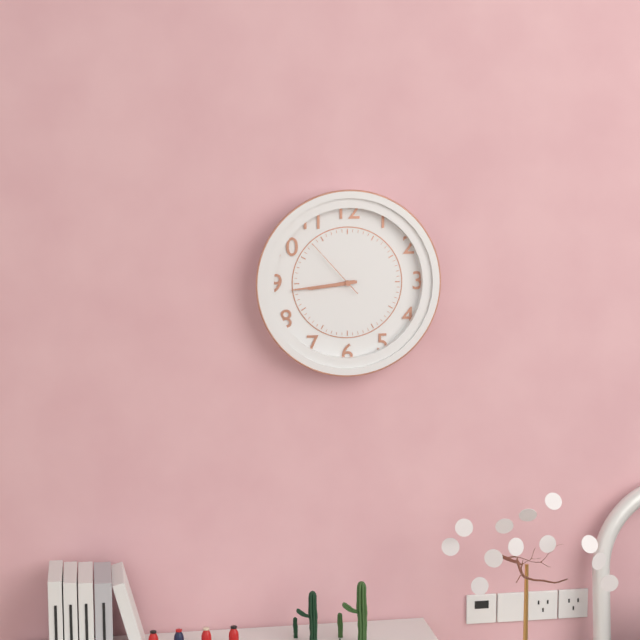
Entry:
8.44.53
